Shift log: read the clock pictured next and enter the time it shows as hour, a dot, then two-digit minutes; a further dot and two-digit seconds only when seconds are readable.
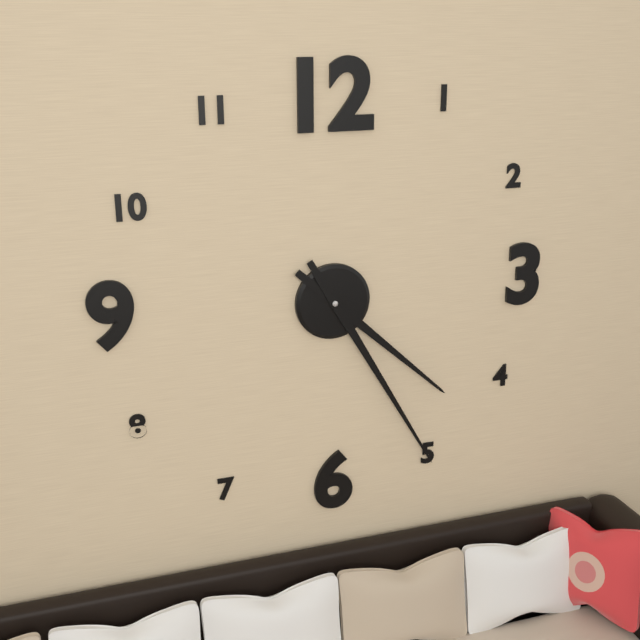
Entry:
4.25
